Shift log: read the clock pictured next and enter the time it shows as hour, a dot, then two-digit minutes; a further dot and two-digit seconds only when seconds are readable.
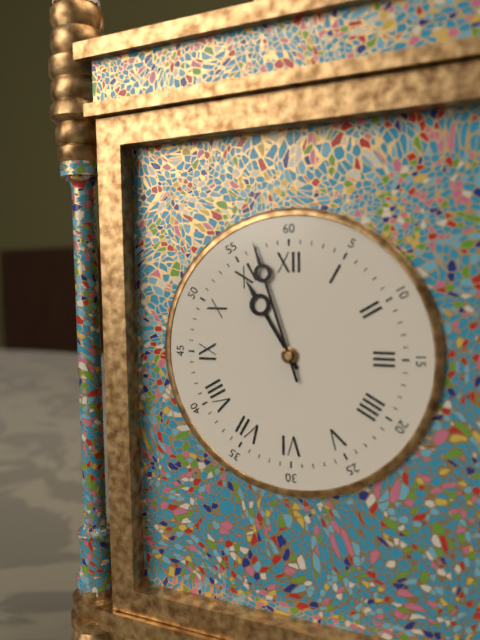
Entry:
10.57
